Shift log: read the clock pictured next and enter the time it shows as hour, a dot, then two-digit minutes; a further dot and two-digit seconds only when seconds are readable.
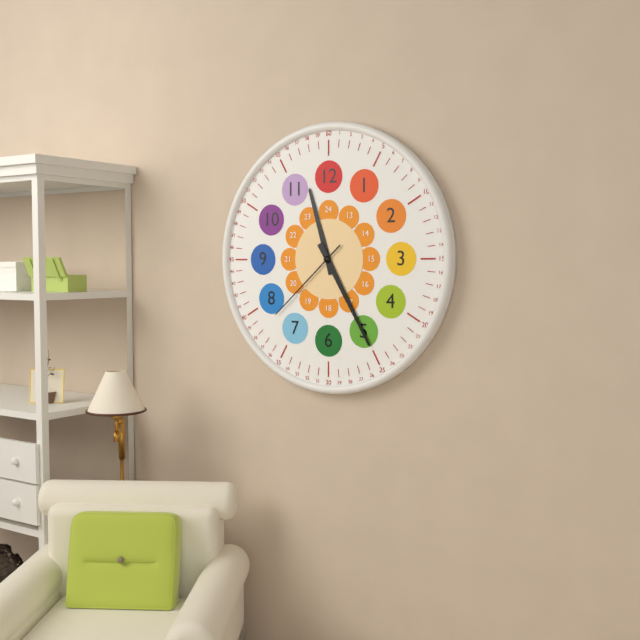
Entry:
11.25.38
